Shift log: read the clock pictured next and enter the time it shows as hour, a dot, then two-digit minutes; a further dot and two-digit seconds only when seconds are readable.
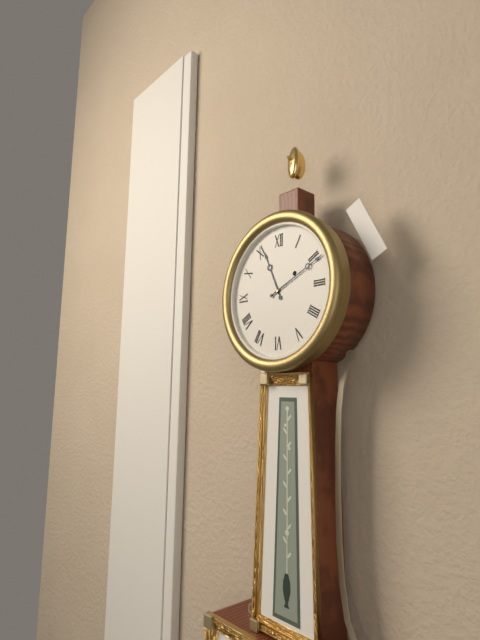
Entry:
11.11
